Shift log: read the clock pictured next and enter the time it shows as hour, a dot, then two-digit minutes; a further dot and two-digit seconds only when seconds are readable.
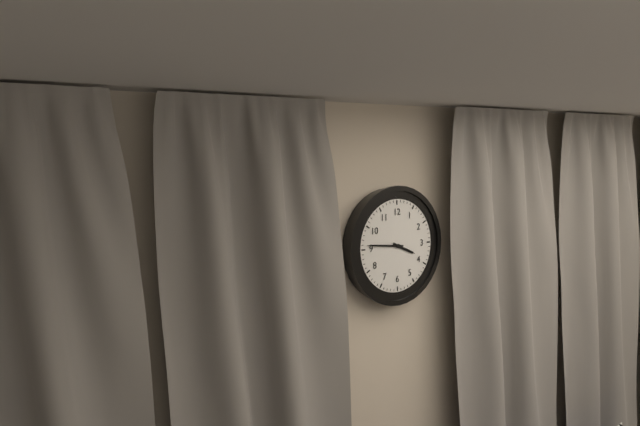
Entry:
3.46
